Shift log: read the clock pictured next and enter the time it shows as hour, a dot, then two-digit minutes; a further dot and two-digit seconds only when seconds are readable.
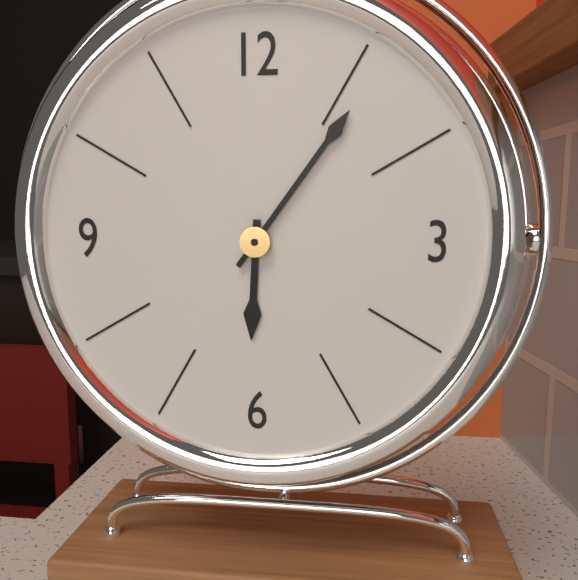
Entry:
6.06
